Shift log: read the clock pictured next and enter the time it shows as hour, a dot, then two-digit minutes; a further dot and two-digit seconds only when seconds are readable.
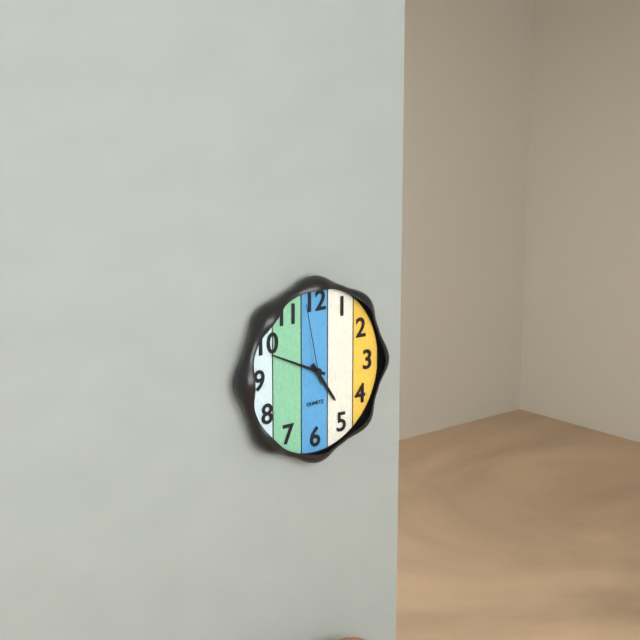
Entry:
4.49.58
